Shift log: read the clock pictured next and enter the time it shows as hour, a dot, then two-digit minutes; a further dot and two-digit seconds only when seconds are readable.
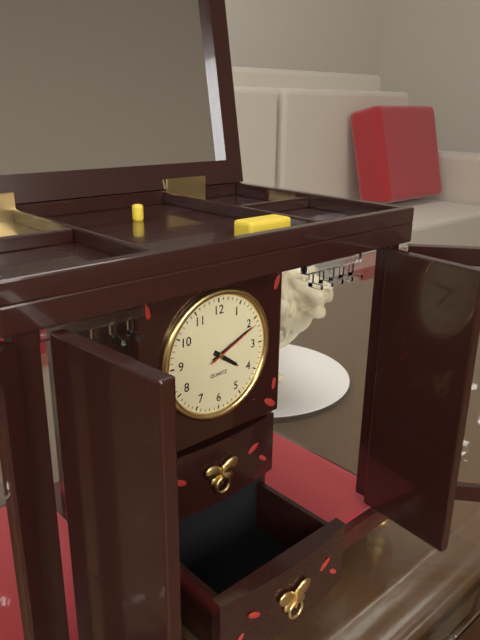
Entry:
4.11.11
